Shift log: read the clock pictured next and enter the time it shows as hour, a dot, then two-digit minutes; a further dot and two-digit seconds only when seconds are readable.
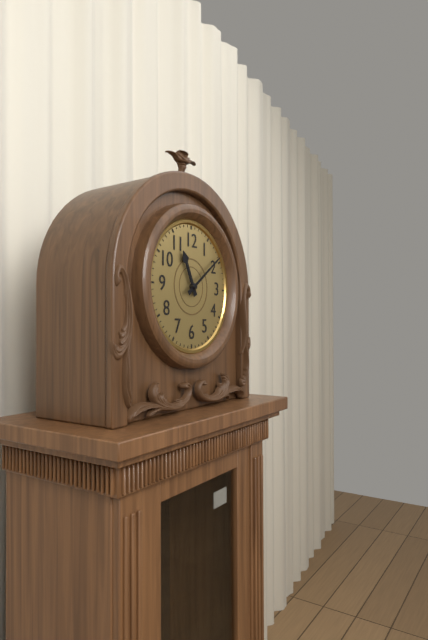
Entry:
11.09
